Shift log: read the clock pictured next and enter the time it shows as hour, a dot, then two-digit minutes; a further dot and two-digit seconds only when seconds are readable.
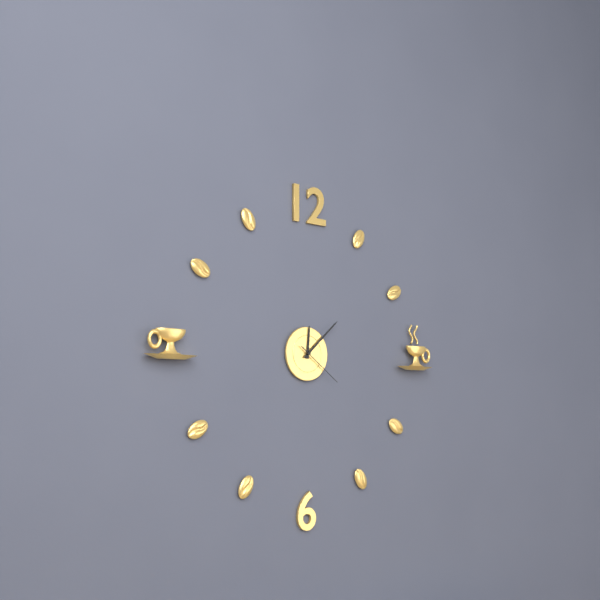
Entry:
12.08.21
